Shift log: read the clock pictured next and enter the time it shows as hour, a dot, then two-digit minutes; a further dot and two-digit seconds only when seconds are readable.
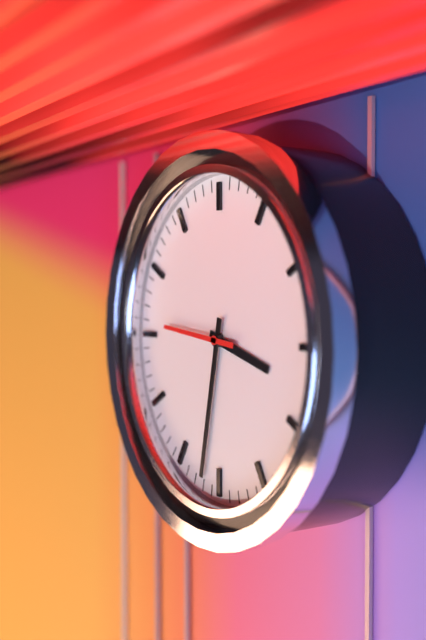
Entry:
3.32.46
